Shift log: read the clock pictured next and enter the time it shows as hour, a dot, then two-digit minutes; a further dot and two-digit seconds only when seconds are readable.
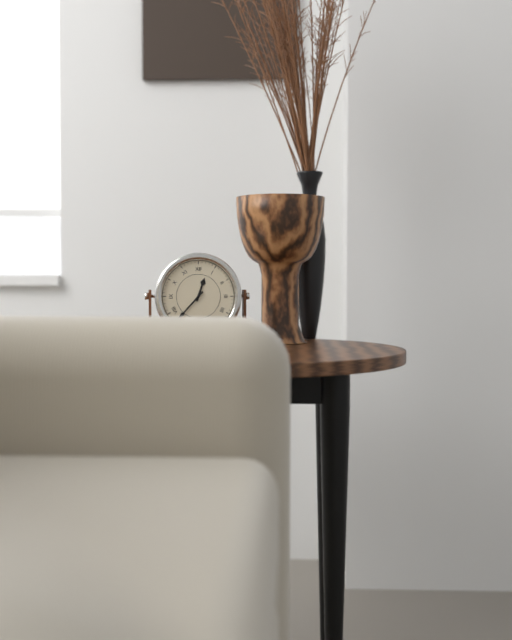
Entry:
12.37
